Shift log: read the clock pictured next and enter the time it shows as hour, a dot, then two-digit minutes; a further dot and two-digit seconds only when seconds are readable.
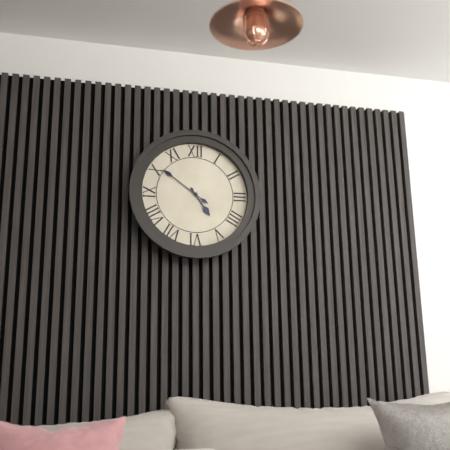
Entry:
4.51
